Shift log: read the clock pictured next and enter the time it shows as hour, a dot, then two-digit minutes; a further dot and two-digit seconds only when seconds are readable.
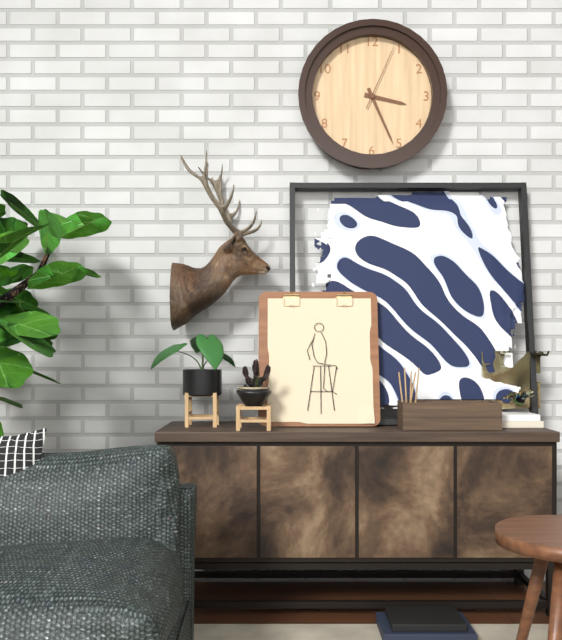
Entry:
3.26.04
